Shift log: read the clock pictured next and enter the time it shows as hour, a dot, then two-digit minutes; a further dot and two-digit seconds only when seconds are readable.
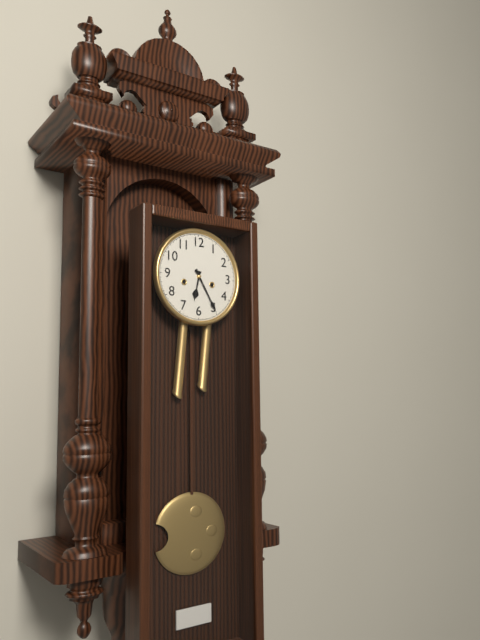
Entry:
6.25
